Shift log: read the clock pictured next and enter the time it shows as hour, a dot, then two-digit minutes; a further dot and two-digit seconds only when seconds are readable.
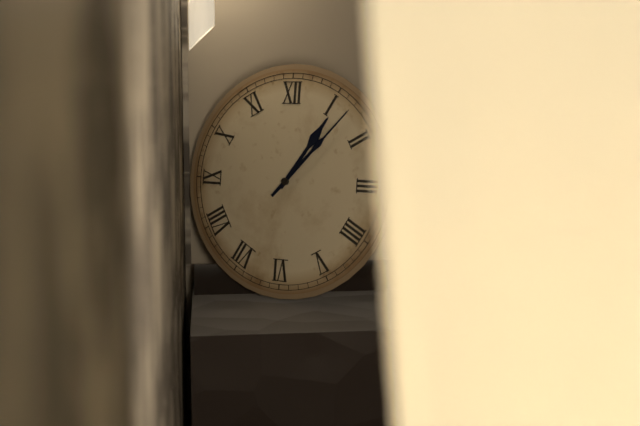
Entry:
1.07
